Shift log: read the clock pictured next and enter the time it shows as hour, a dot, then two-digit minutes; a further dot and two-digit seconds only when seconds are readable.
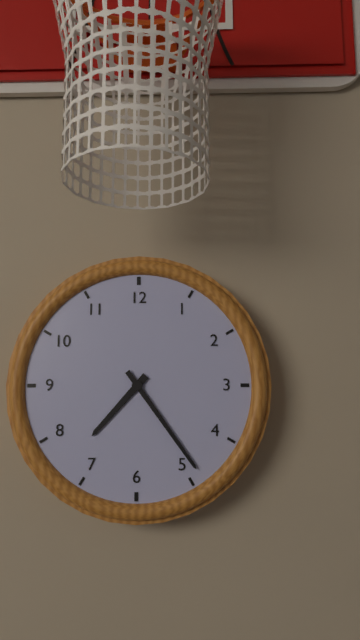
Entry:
7.24
